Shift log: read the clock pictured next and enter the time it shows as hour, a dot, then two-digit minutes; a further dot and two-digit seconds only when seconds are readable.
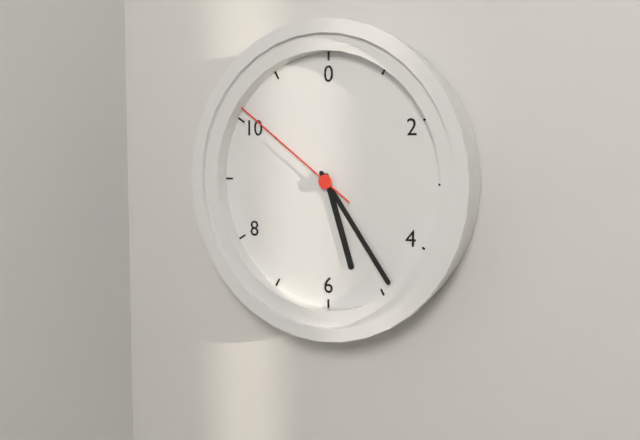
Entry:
5.24.51
